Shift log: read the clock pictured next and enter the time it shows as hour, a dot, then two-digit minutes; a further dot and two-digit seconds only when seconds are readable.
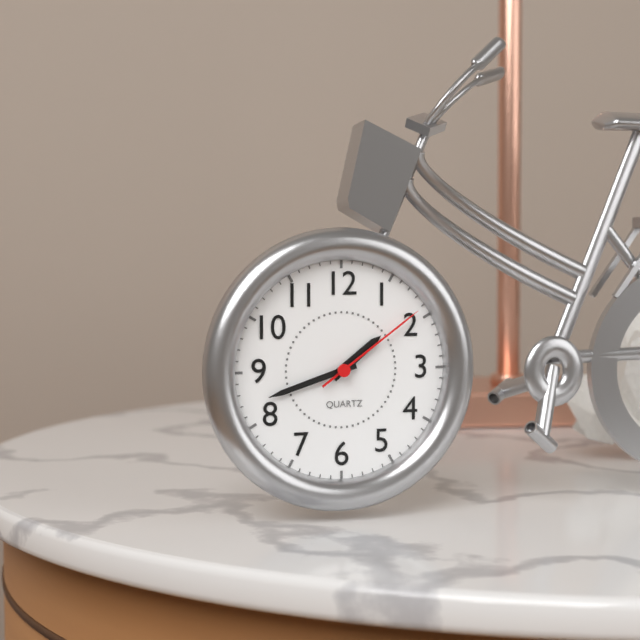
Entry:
1.42.09
